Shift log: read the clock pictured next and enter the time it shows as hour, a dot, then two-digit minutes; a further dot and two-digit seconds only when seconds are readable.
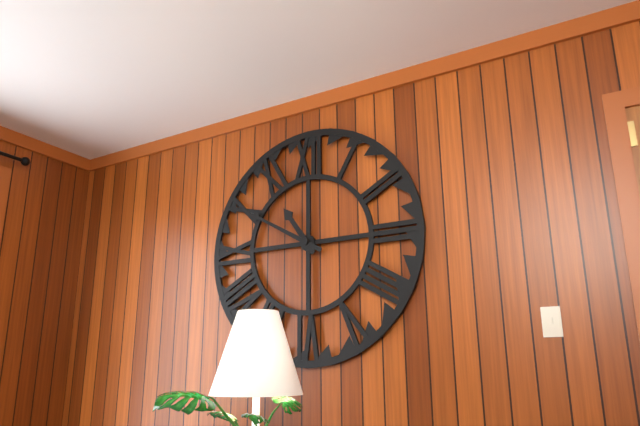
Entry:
10.50
